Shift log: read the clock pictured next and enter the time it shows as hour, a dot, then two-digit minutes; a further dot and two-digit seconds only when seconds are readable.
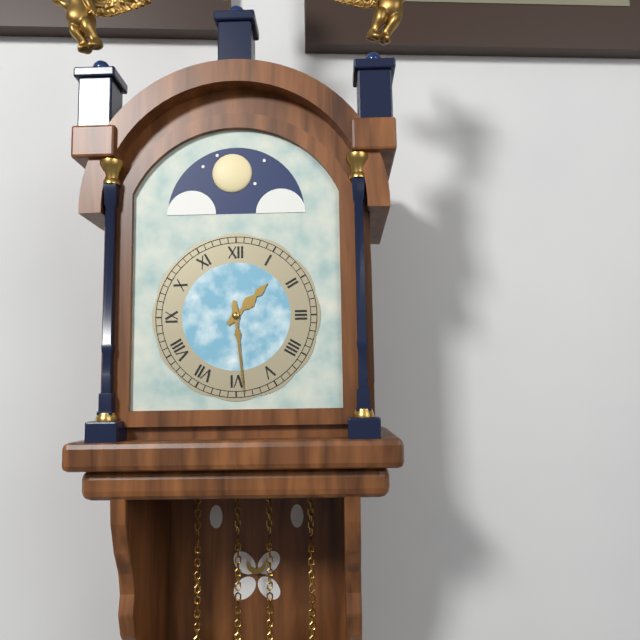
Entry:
1.29
